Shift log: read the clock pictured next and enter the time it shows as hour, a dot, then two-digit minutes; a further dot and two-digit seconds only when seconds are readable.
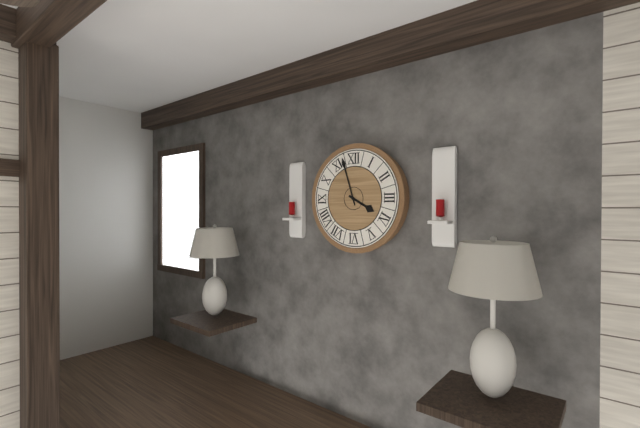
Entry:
3.57
